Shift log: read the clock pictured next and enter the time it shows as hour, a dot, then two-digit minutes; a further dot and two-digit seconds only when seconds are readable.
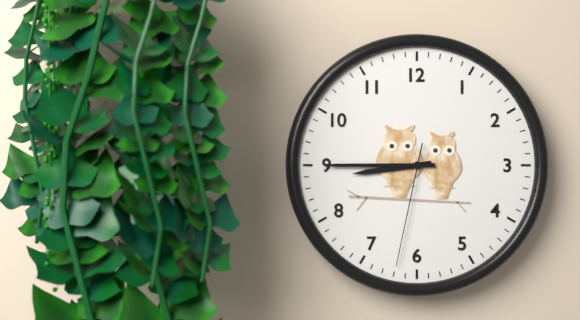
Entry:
8.45.32
